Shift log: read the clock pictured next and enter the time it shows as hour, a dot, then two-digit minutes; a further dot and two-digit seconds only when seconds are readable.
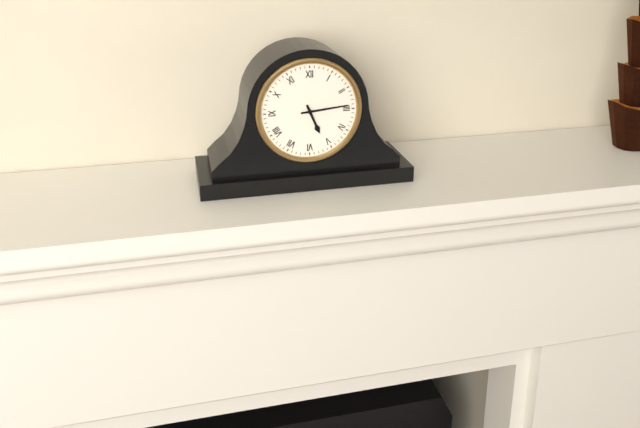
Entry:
5.14
